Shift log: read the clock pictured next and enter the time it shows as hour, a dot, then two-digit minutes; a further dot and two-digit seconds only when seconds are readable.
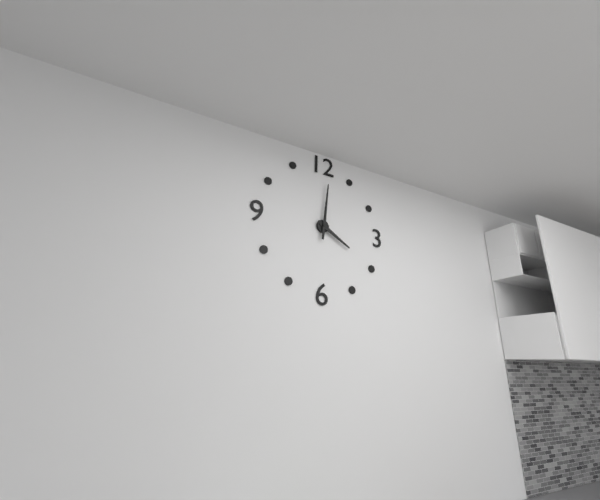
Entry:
4.01
